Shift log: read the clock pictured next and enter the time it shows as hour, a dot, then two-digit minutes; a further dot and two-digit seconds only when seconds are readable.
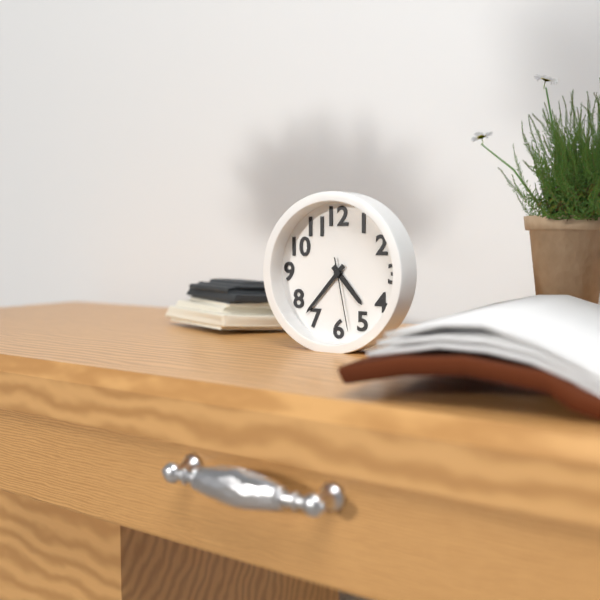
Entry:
4.37.28
